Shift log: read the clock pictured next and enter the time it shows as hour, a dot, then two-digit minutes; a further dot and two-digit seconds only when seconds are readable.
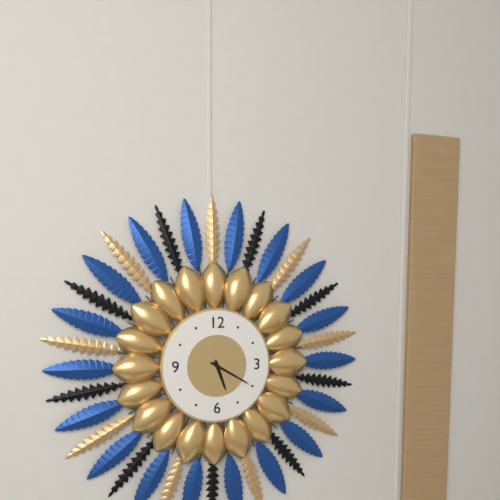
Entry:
5.20
